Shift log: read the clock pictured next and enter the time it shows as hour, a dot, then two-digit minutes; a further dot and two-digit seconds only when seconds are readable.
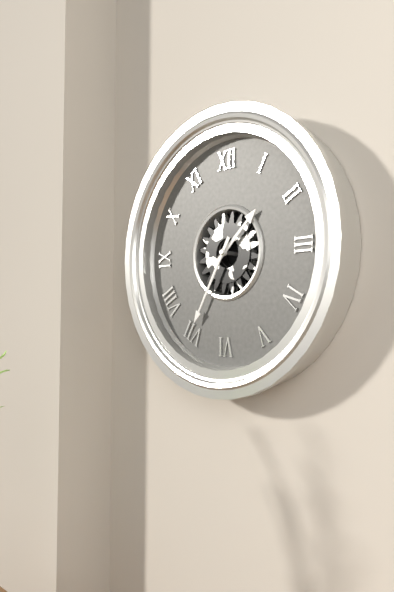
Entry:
1.35
